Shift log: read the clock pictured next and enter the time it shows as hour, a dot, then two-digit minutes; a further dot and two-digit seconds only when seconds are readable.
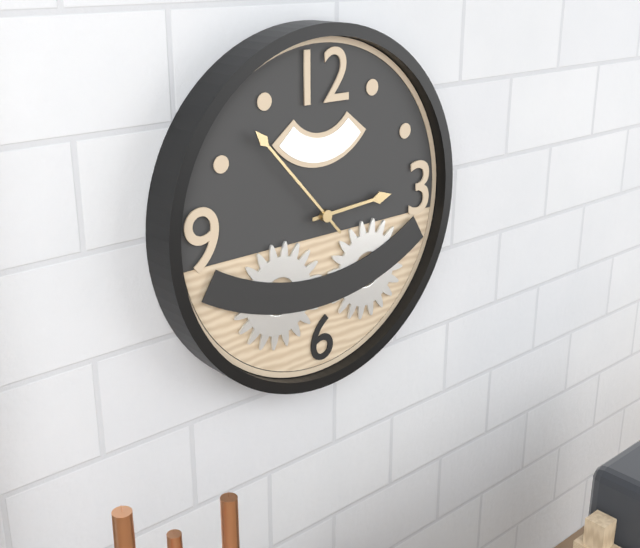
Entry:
2.53
